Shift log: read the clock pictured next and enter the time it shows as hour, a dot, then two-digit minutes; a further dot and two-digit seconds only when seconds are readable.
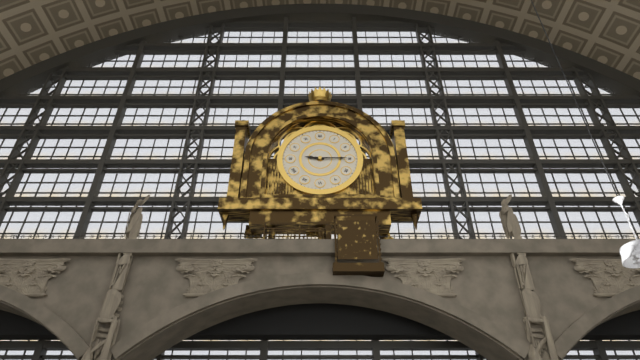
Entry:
9.15
